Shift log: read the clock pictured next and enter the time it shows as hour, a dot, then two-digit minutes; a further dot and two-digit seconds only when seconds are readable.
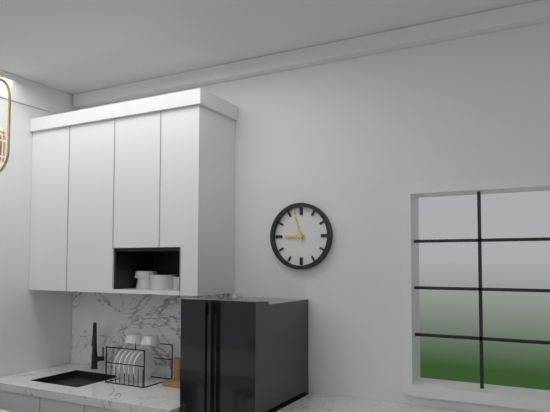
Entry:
8.57
